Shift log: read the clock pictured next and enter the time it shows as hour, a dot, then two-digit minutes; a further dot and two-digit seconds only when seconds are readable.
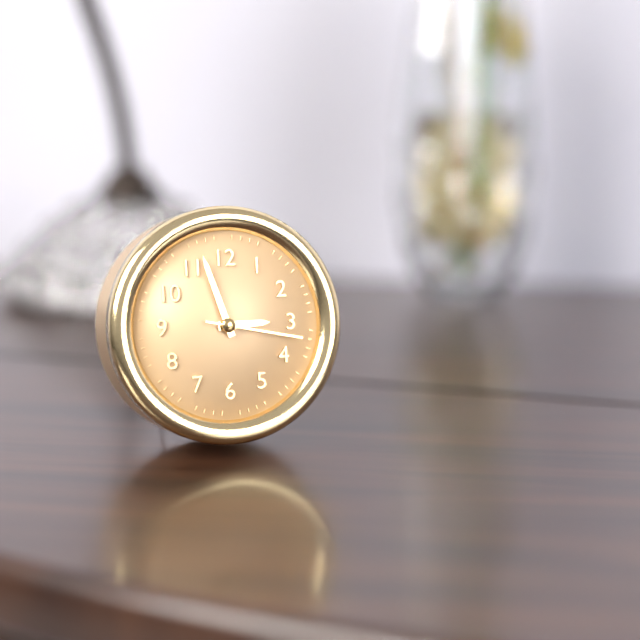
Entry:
2.57.17
